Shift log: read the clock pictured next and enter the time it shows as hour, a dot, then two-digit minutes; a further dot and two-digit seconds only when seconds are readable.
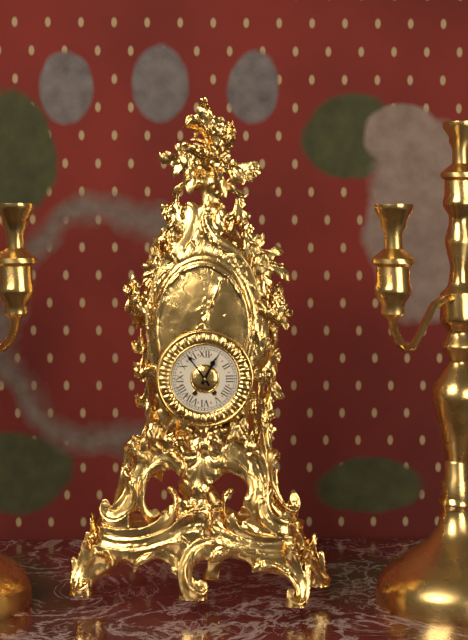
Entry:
12.54
